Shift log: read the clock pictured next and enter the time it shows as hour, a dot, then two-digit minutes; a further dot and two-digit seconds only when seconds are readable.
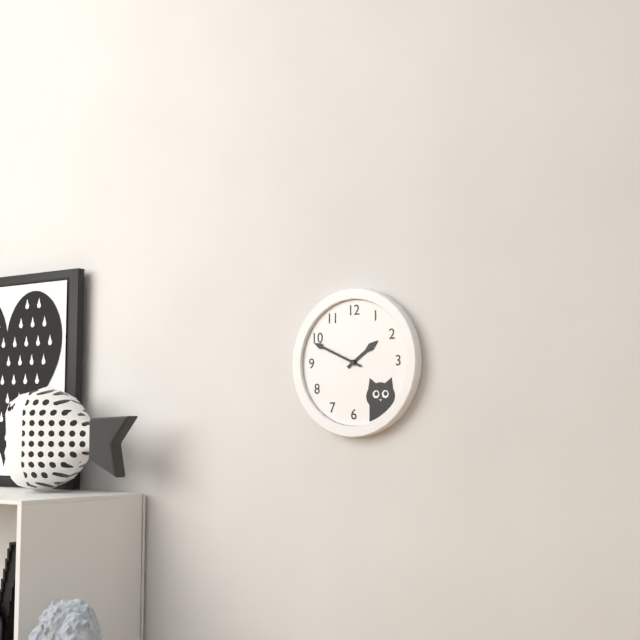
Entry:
1.49
